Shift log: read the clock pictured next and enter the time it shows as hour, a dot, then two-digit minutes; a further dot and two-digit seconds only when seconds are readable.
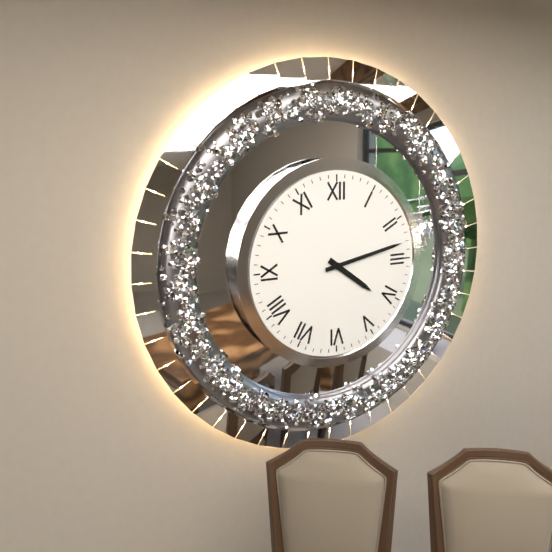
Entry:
4.13
